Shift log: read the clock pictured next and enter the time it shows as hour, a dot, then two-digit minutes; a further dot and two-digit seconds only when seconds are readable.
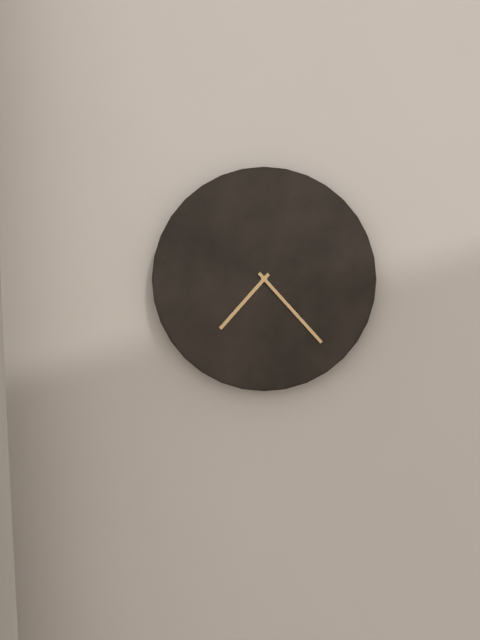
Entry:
7.23
